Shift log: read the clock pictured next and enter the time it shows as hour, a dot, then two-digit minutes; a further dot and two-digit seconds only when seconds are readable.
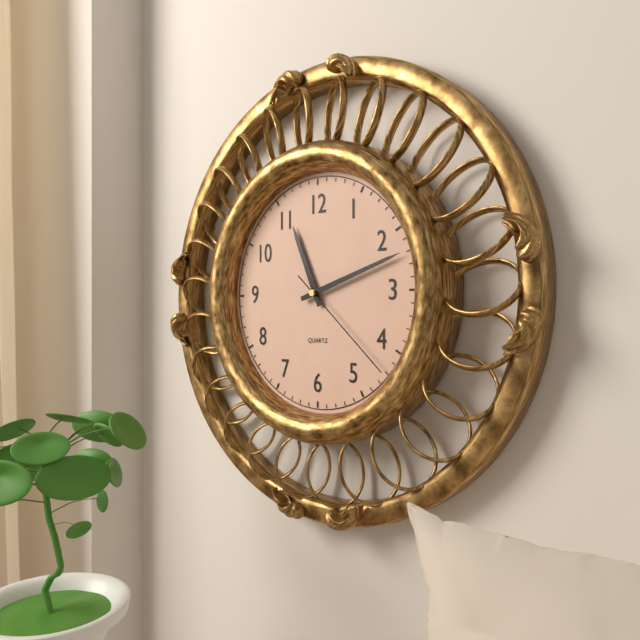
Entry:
11.12.22
